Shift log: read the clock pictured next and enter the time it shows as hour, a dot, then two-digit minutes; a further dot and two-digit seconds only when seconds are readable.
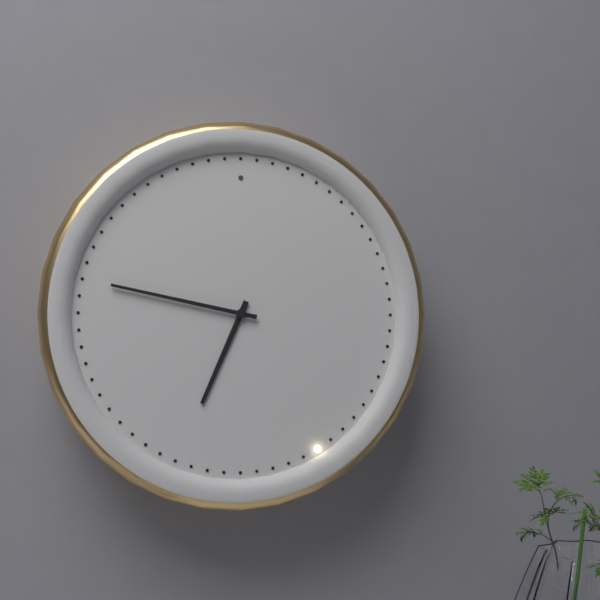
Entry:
6.47
